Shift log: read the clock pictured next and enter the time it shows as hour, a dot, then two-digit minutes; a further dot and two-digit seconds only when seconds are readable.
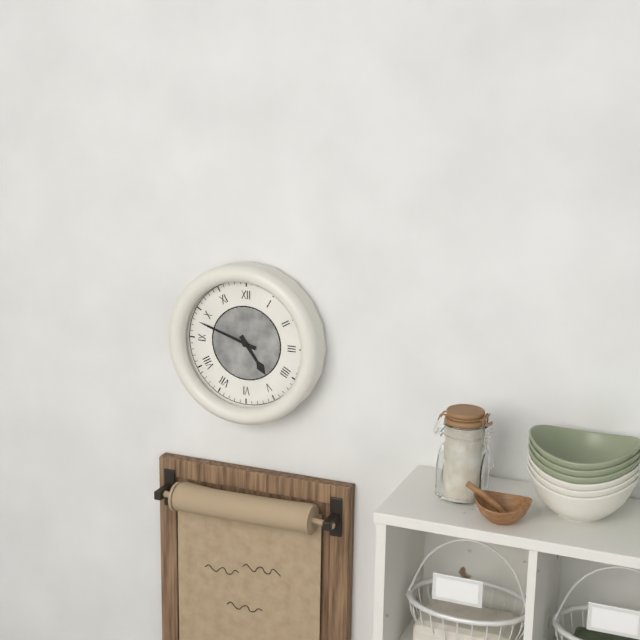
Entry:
4.48
